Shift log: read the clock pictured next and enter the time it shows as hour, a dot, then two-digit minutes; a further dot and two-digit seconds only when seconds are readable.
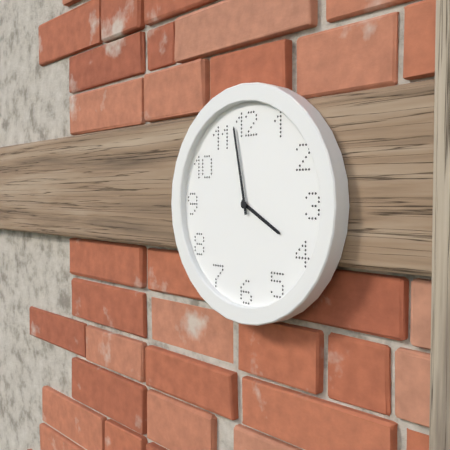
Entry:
3.58
